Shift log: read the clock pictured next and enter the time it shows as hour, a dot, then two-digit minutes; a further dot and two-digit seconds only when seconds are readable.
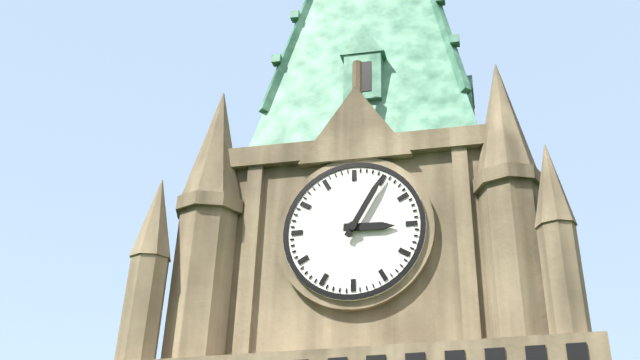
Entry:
3.05
